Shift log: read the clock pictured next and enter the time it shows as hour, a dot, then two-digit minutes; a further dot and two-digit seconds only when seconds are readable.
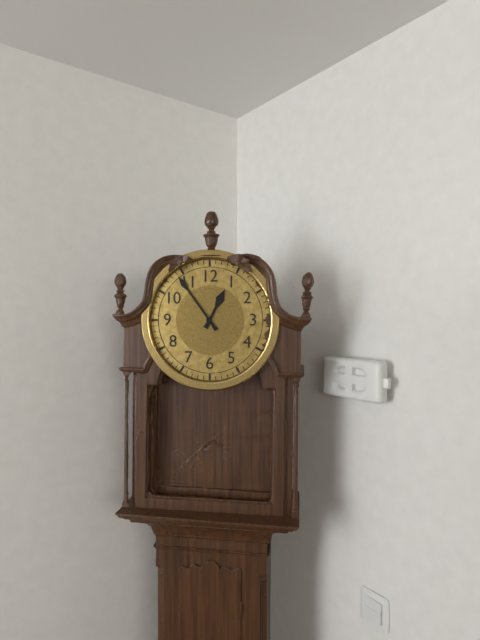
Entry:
12.54
